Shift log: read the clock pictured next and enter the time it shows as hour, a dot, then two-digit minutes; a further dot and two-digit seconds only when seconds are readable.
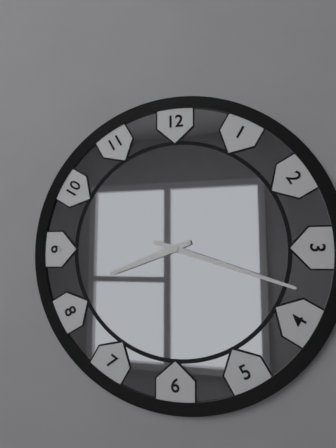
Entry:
8.18
